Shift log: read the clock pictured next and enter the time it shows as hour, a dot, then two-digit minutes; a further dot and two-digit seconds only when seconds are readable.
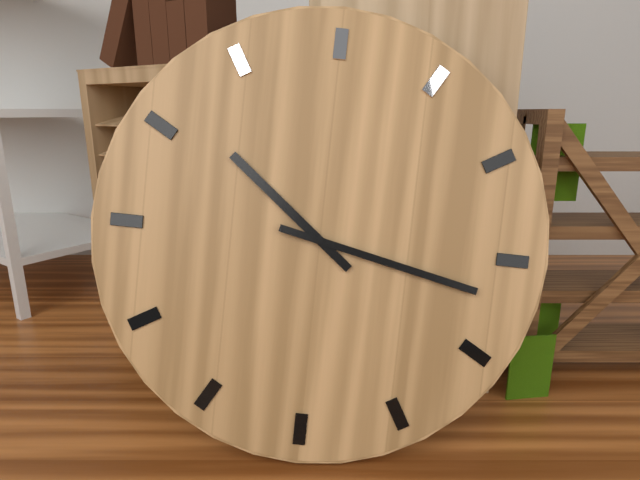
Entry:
10.17
